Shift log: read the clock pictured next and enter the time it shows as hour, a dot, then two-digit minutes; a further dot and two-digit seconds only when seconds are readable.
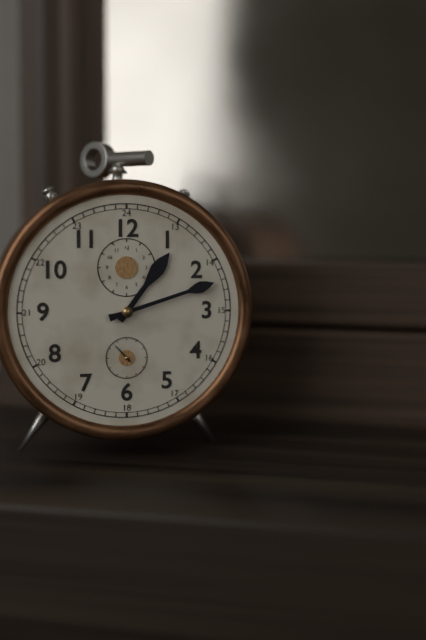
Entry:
1.12
